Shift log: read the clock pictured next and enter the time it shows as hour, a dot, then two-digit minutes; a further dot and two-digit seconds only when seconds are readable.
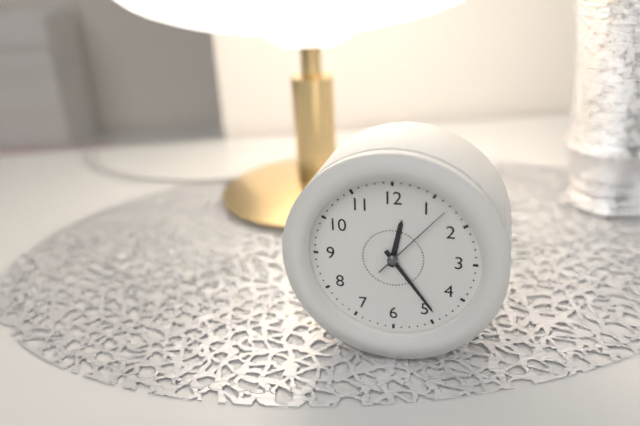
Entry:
12.24.07
